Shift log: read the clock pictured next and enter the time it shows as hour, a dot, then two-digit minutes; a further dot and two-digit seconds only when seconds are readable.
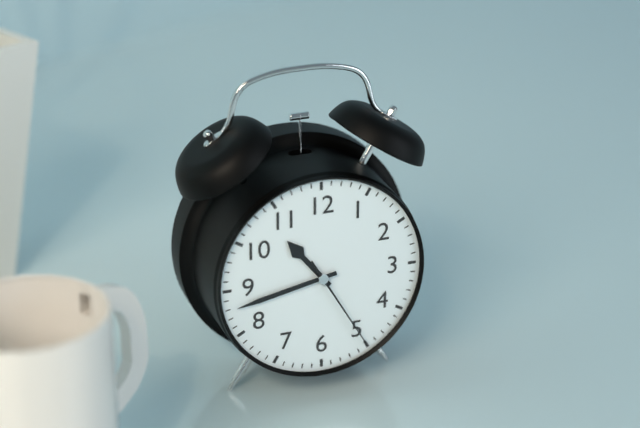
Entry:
10.43.25
